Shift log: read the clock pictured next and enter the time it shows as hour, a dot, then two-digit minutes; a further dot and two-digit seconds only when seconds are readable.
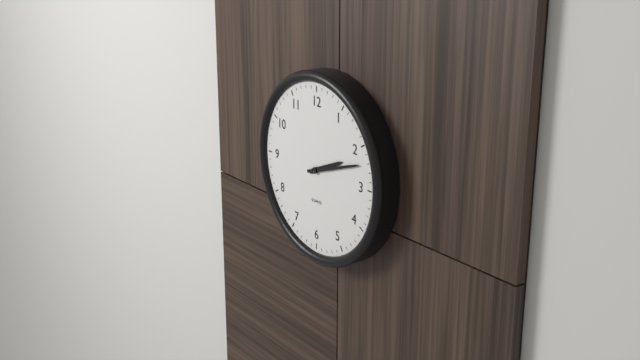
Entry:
2.12
